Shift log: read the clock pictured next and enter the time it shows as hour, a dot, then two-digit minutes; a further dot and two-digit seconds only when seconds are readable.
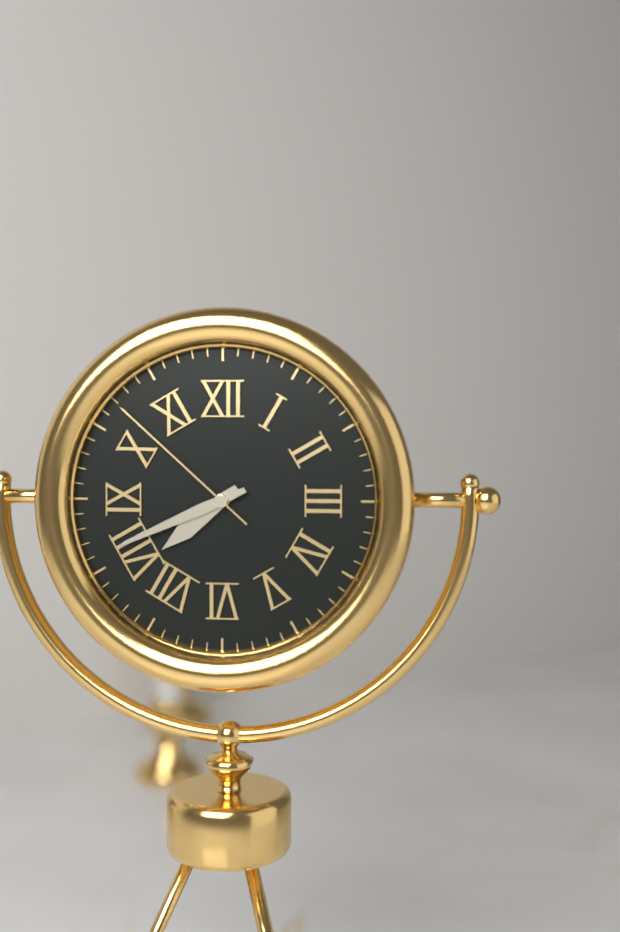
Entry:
7.41.52
